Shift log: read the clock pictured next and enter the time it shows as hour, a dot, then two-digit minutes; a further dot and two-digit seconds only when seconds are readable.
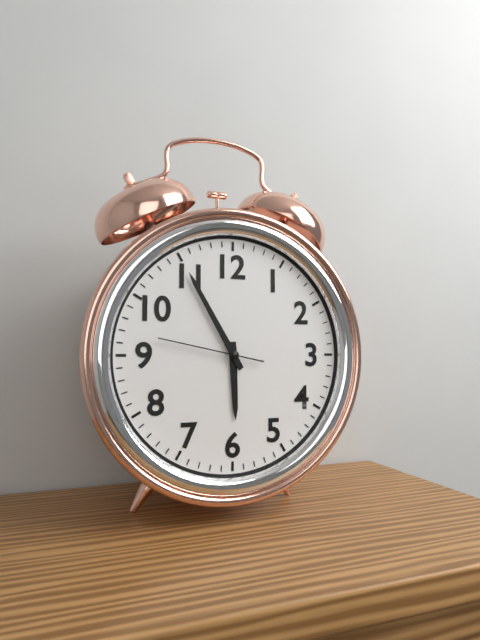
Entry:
5.55.47
